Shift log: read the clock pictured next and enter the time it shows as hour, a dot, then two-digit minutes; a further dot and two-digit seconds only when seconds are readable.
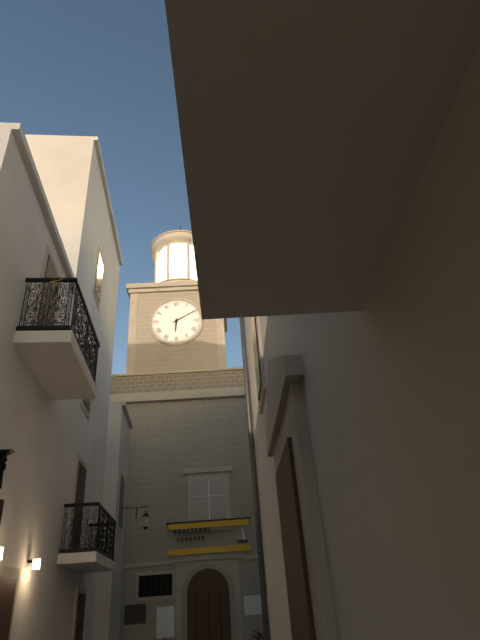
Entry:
6.10
